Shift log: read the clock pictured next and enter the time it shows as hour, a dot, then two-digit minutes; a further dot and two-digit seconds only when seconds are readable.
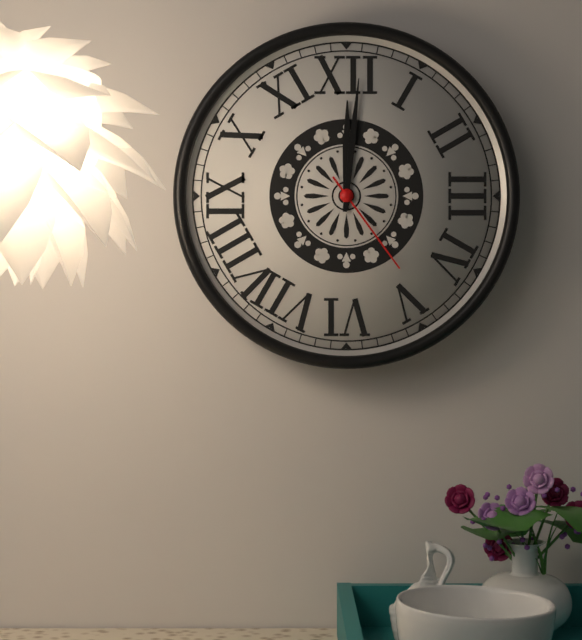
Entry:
12.01.24
